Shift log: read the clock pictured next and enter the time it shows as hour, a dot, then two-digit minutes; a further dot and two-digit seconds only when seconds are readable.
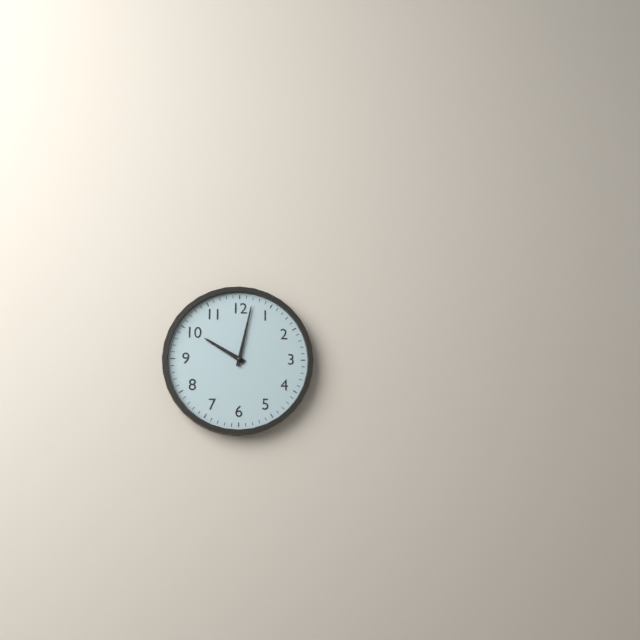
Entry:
10.02
